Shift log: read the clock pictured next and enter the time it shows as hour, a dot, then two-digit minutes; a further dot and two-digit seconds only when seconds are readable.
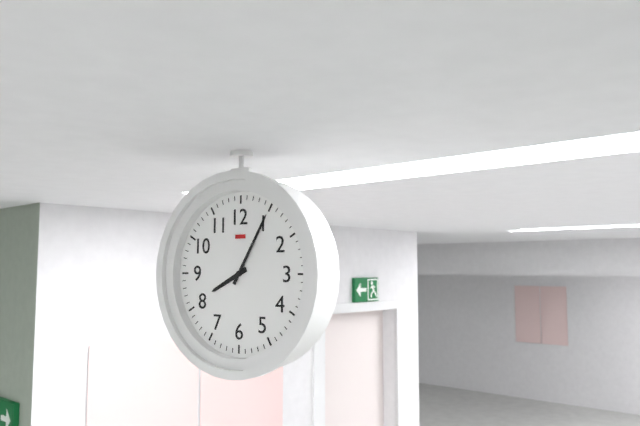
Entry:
8.05
